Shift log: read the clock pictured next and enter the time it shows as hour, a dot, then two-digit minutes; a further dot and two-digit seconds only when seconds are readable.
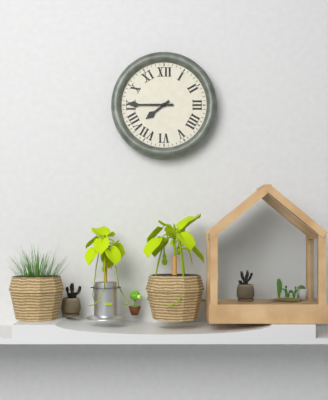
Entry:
7.45
